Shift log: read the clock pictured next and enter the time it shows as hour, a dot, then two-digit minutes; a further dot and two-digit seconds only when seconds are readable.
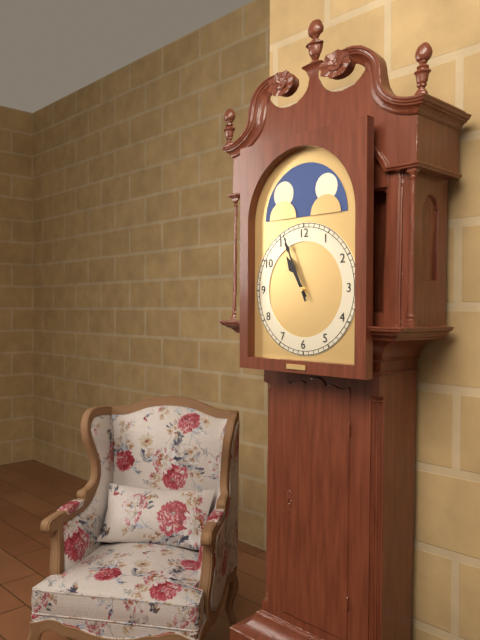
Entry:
10.56
